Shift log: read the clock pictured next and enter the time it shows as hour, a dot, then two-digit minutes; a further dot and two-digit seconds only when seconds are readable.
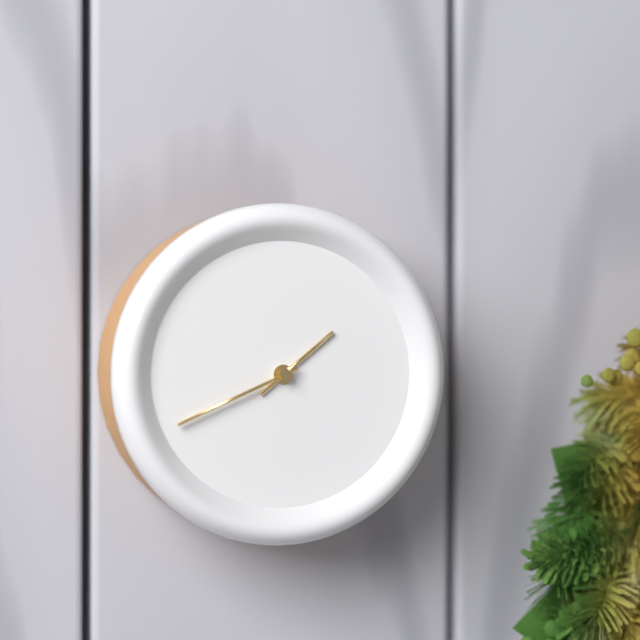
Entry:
1.41
